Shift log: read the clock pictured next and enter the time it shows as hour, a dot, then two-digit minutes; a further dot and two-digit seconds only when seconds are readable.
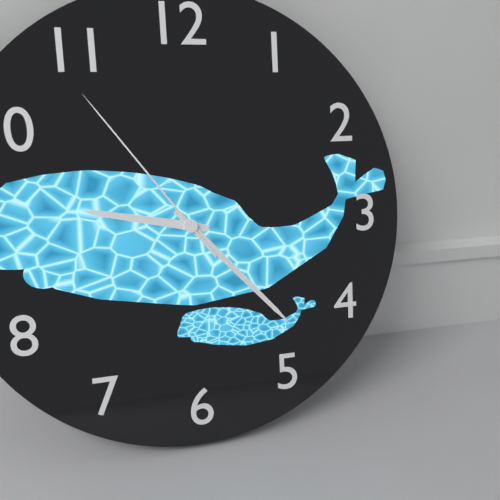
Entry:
9.23.54
